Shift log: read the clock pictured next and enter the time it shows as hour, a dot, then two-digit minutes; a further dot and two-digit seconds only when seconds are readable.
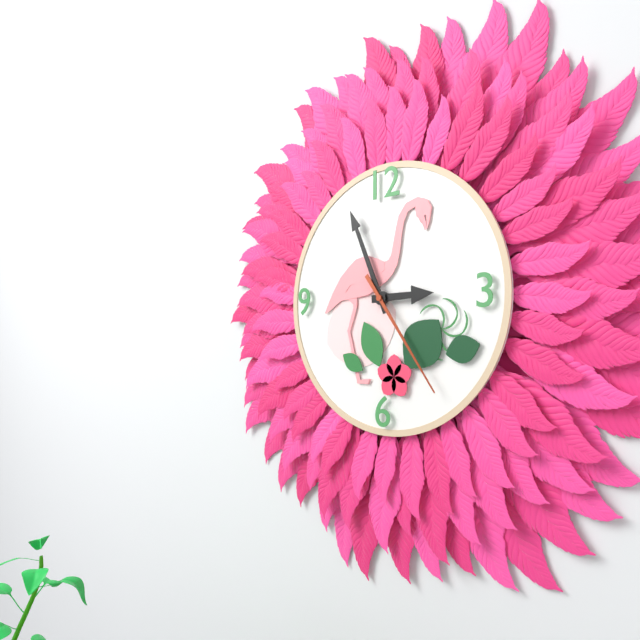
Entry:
2.56.24
